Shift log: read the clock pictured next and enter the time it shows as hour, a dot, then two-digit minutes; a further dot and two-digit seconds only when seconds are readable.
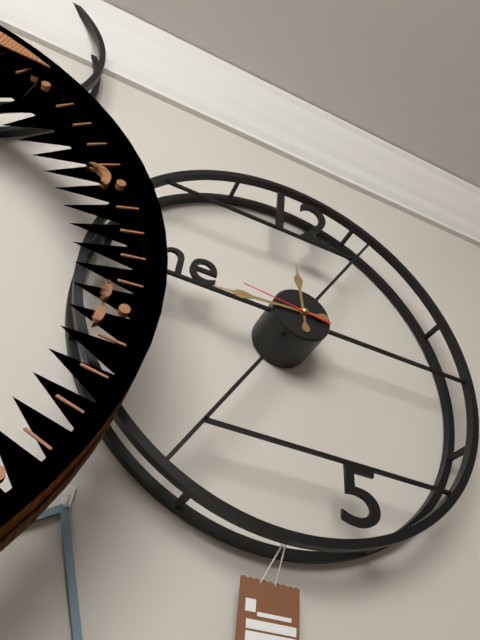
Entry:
11.44.46
